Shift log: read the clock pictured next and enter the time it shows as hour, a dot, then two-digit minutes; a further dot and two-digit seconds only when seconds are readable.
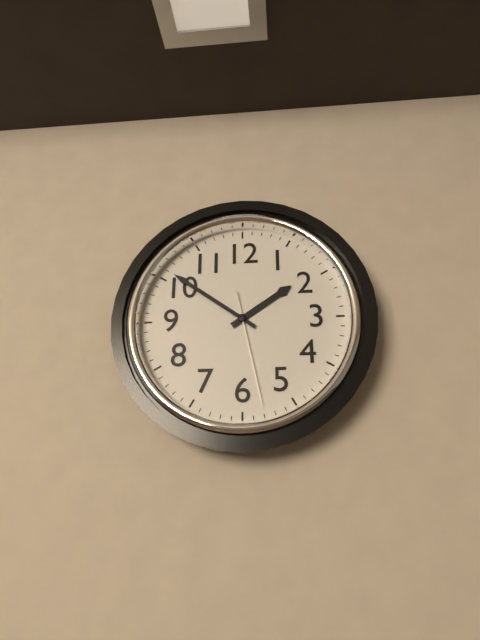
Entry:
1.51.28
